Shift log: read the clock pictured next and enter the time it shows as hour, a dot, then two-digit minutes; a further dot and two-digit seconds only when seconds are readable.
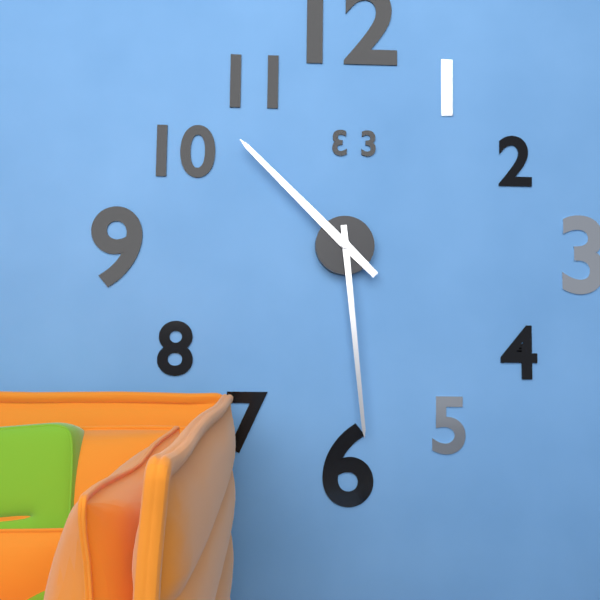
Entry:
10.29
